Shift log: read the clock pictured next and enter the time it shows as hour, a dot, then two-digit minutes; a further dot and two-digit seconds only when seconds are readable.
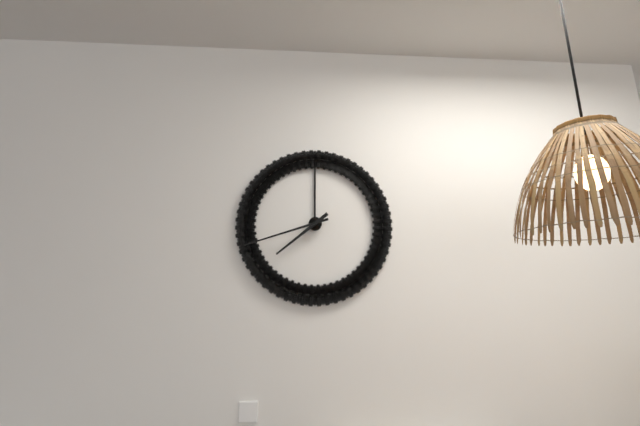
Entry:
7.42
